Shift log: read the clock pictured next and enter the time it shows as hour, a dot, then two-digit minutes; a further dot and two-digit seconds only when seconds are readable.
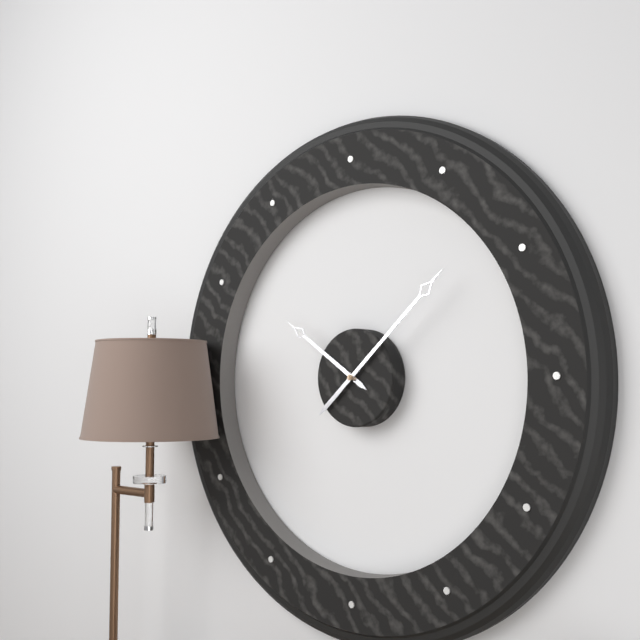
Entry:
10.08
